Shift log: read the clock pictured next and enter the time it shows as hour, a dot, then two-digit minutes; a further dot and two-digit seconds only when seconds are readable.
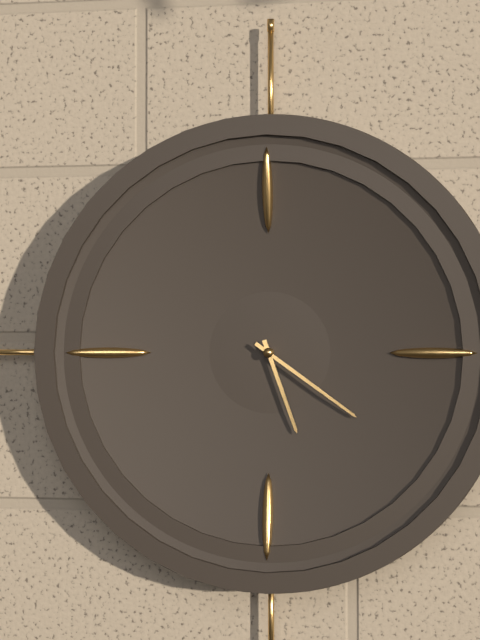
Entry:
5.21
